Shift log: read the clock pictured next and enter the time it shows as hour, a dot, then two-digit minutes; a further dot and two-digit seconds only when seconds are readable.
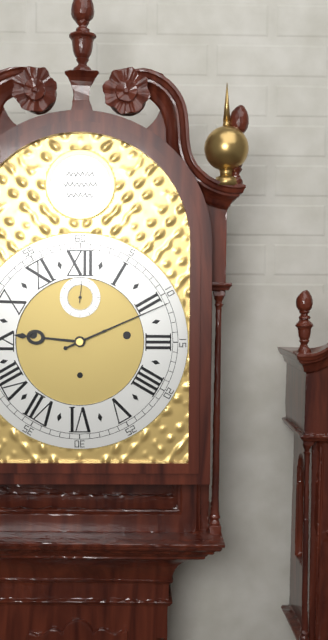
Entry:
9.11
